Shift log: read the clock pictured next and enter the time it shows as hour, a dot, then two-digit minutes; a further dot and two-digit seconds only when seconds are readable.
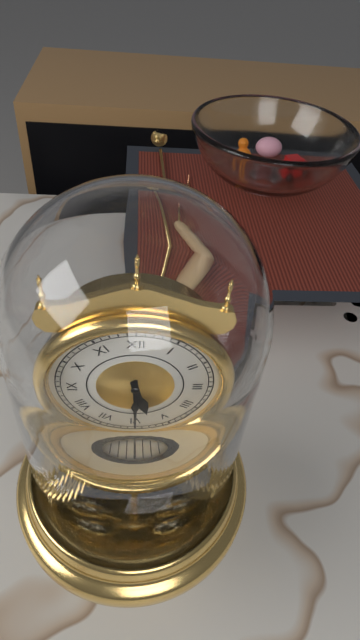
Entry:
5.30
